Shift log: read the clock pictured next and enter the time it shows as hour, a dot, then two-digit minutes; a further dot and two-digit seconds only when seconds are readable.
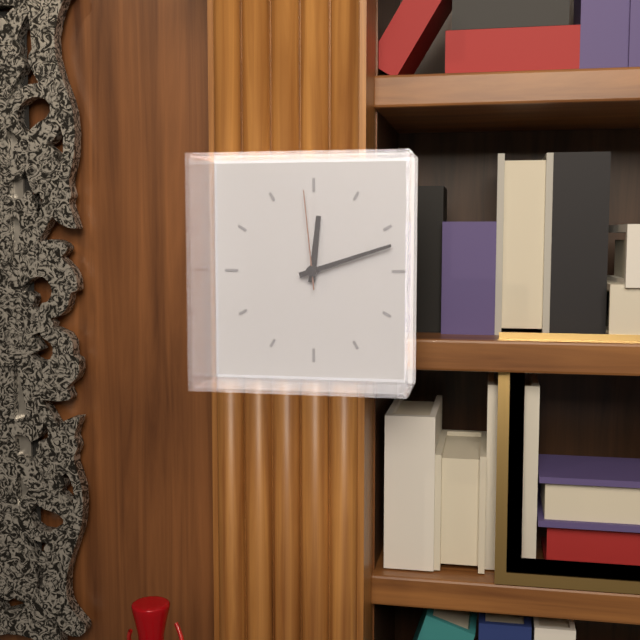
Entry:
12.12.59
